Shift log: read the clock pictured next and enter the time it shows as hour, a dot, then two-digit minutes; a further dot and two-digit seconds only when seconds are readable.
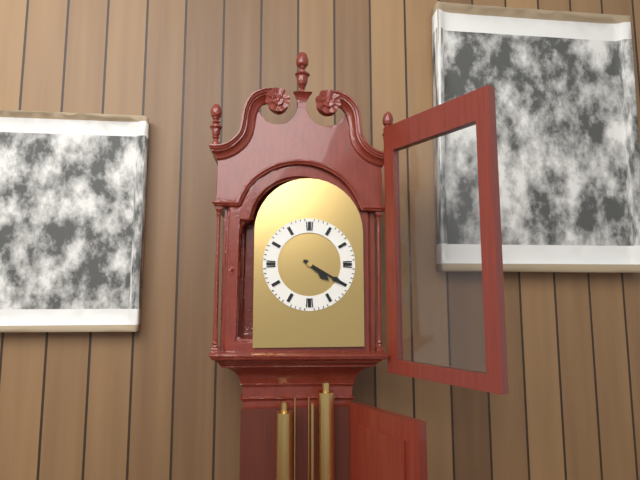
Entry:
4.20
